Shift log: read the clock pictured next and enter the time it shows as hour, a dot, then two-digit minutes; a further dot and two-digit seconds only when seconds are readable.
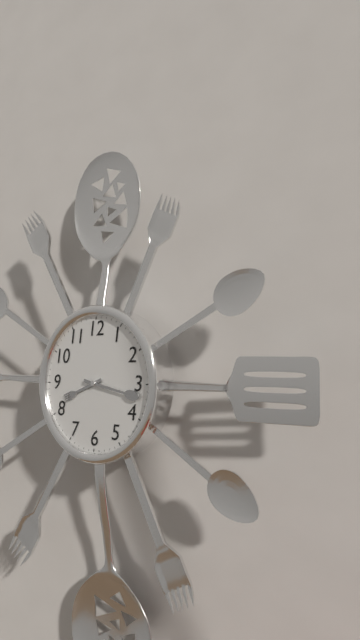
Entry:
8.17
